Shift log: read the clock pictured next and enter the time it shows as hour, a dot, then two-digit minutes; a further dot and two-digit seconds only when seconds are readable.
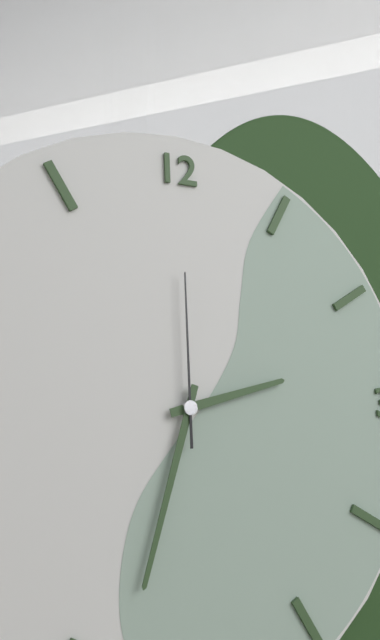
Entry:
2.33.00
